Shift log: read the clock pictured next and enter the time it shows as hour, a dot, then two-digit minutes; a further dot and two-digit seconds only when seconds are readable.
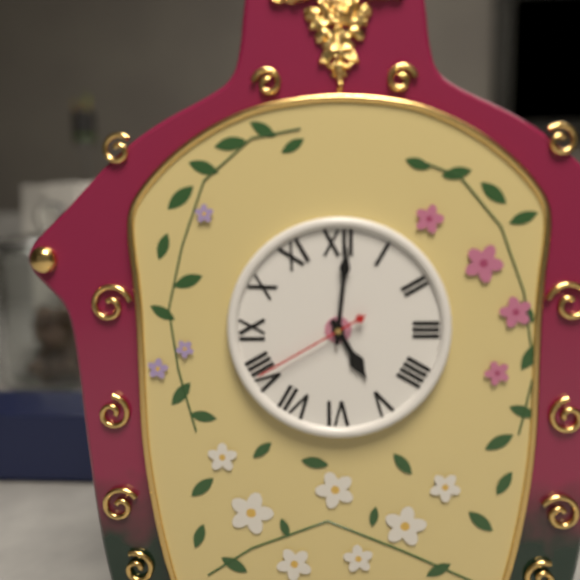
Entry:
5.01.40
